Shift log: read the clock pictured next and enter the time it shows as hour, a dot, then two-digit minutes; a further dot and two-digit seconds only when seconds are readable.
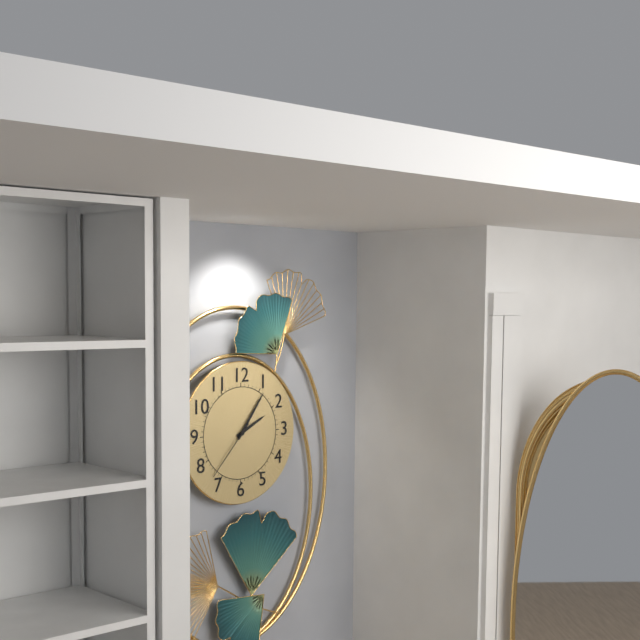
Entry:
2.06.37
